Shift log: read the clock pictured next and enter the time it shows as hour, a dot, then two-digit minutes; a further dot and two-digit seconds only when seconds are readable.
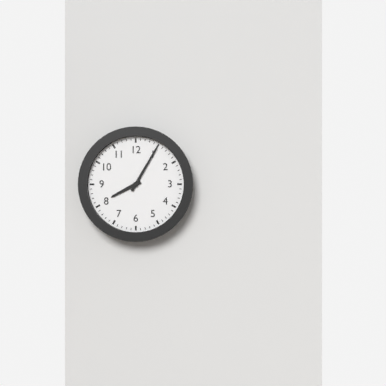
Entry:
8.05
